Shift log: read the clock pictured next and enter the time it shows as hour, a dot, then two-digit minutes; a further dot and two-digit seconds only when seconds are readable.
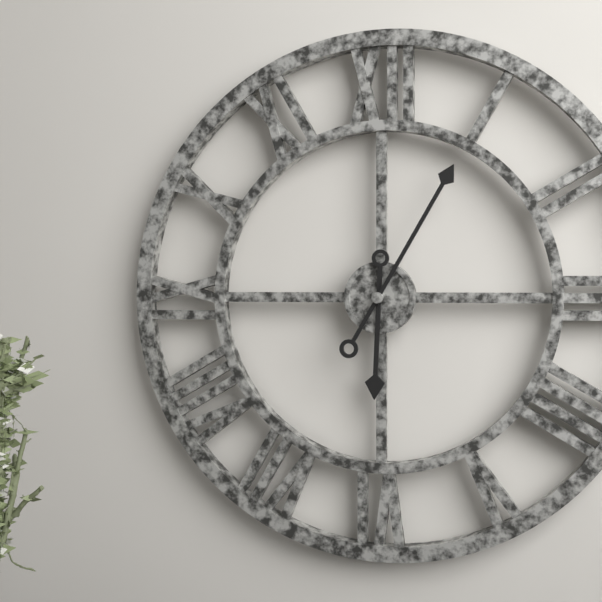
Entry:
6.05
